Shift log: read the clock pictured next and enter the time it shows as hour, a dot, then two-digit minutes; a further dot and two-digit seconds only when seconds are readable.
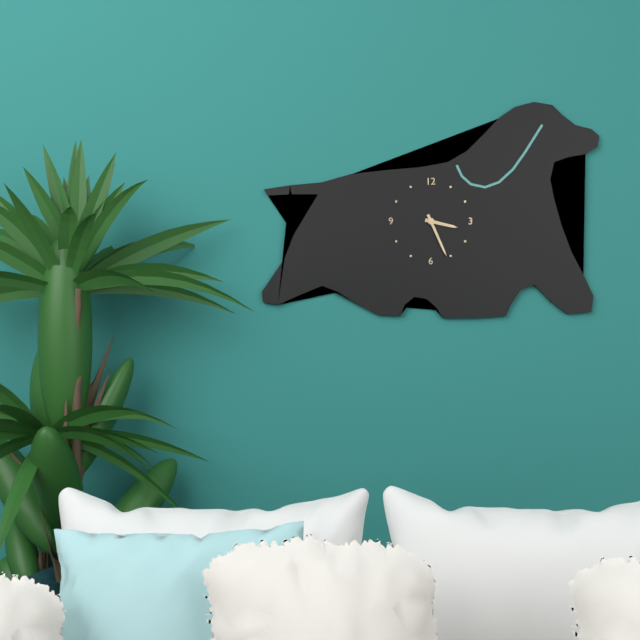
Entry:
3.26
